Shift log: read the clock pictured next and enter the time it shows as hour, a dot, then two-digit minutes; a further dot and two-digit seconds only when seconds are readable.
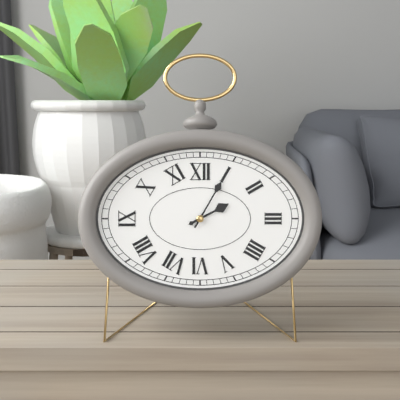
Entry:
2.05
